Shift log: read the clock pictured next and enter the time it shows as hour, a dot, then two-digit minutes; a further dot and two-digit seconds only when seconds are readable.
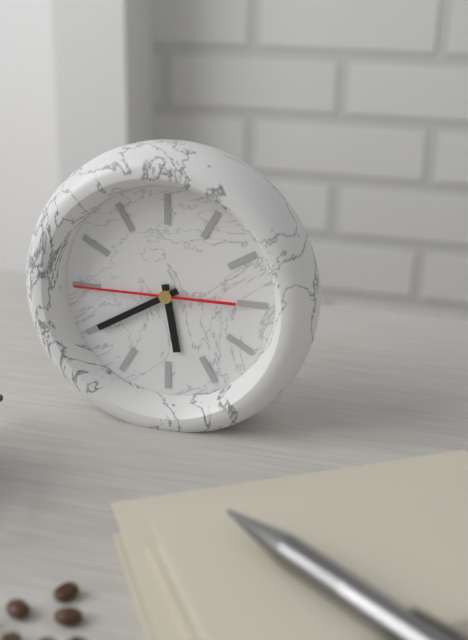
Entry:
5.40.45
